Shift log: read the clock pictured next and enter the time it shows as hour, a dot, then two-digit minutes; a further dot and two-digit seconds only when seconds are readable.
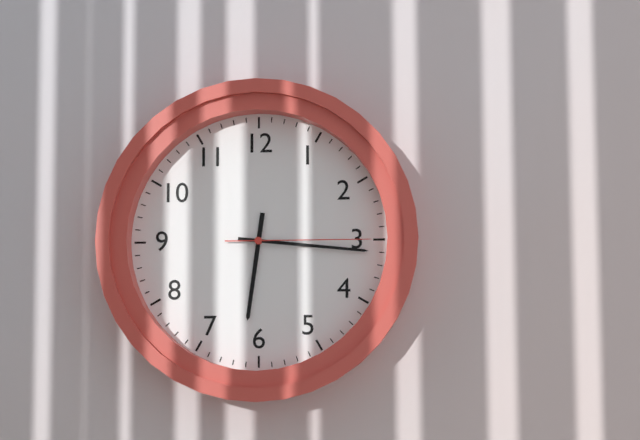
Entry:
6.16.15
